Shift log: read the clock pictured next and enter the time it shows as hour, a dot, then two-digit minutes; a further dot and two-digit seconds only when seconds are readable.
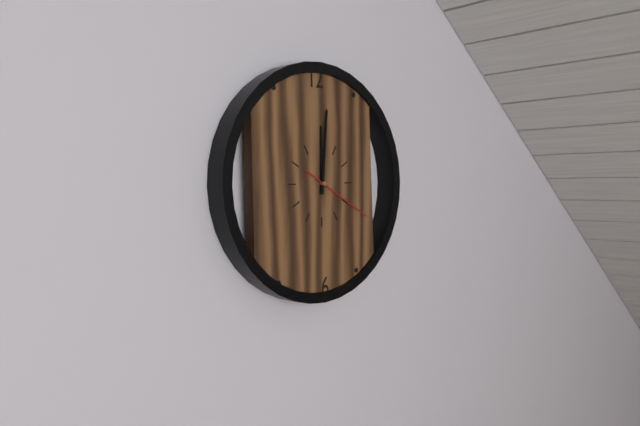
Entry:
12.01.20
